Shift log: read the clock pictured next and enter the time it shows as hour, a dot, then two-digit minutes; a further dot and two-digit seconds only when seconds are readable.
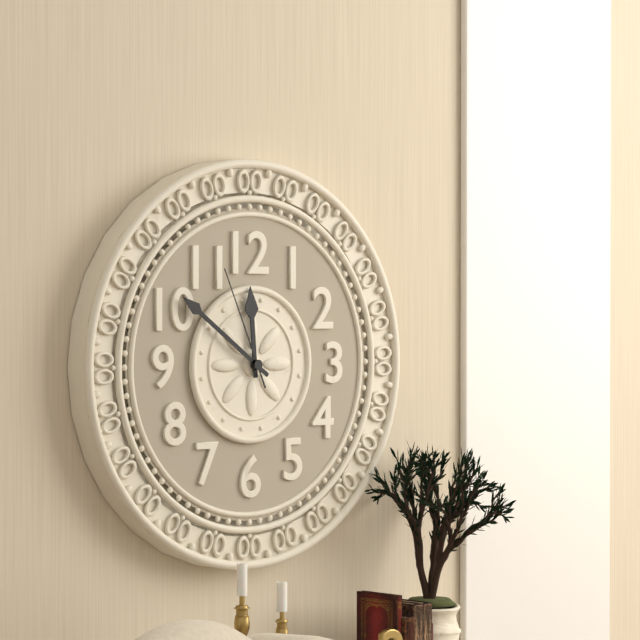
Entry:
11.51.56
